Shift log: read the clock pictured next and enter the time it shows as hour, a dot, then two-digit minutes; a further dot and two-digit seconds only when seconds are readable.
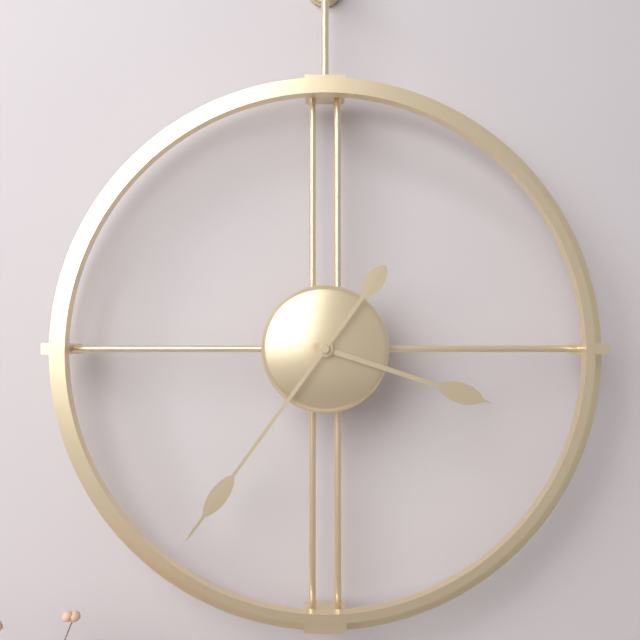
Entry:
3.36
